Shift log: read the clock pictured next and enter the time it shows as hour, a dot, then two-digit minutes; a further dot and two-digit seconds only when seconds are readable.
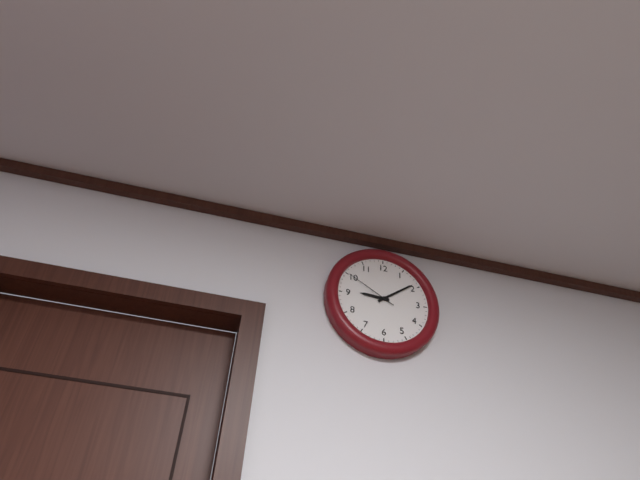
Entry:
9.09.50
